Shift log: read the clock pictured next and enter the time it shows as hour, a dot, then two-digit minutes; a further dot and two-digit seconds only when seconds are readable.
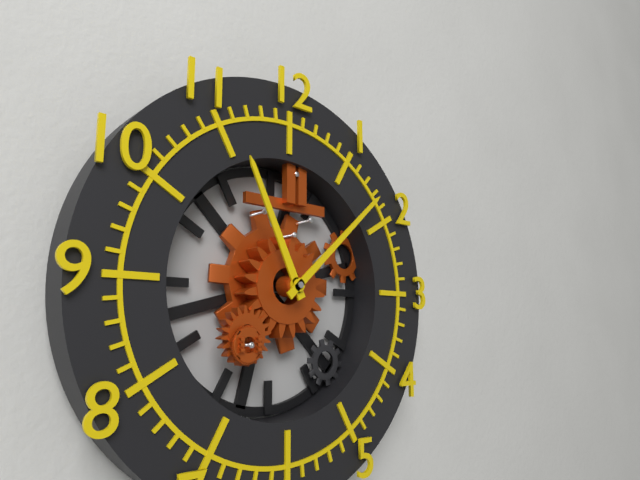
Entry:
11.08
